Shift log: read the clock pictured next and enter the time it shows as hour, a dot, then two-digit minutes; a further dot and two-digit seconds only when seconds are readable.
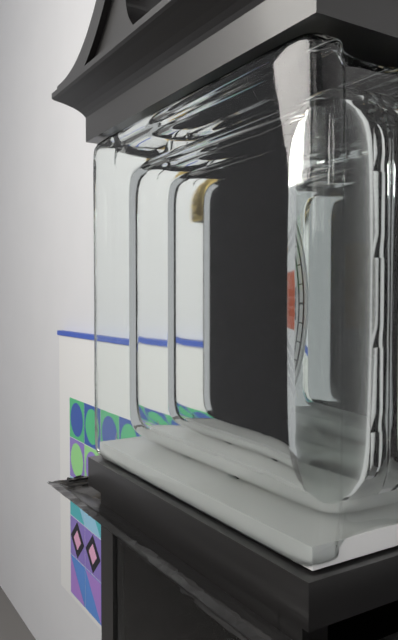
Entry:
1.42
